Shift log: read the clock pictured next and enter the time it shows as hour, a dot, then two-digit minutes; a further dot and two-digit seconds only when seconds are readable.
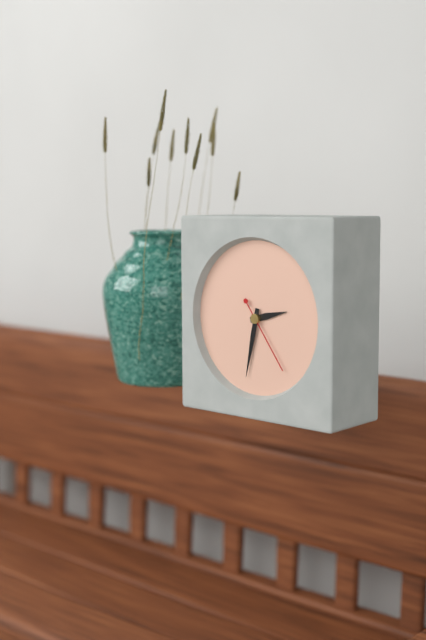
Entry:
2.32.24
